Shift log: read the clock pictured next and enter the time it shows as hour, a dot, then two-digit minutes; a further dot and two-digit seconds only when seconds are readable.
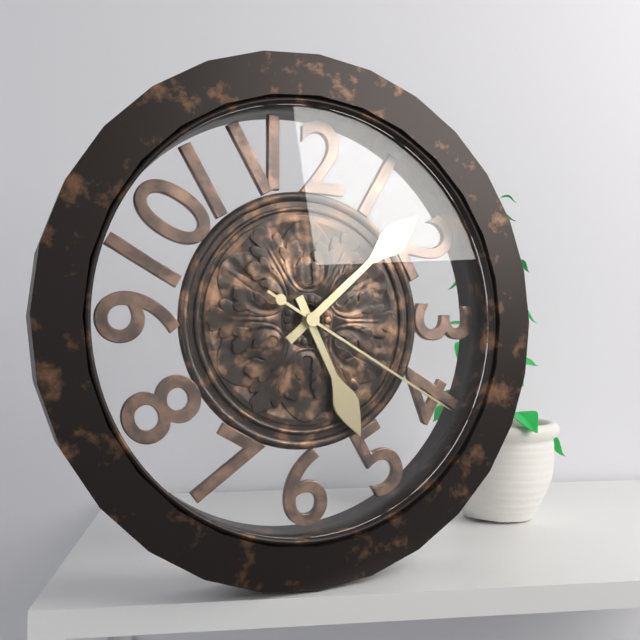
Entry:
5.08.20
